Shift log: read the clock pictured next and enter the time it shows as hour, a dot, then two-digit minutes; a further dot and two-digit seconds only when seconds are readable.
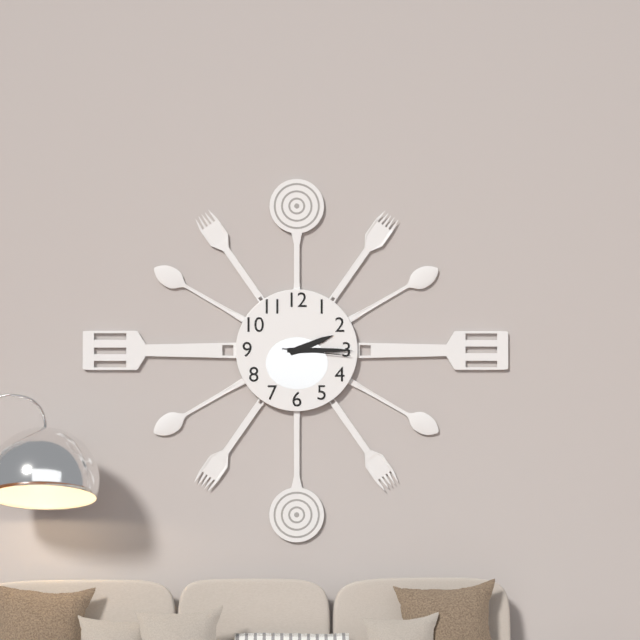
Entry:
2.15.16
